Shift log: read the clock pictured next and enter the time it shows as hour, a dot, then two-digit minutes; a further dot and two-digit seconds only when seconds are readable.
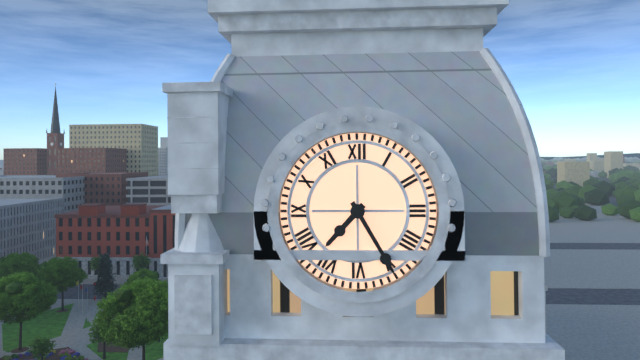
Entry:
7.25
